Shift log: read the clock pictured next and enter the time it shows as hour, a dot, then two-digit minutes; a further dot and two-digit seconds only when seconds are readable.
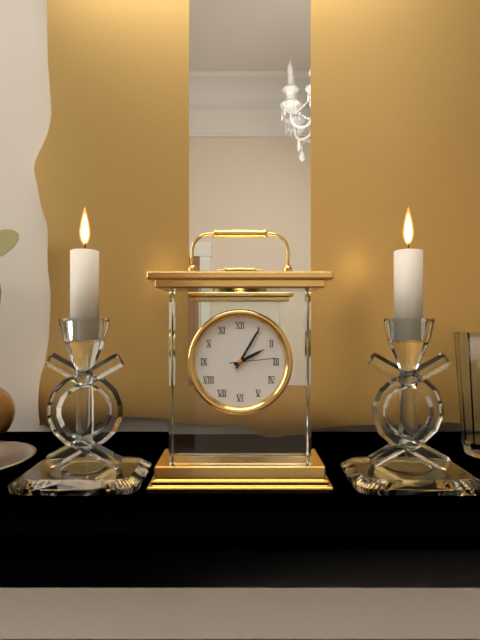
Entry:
2.05
